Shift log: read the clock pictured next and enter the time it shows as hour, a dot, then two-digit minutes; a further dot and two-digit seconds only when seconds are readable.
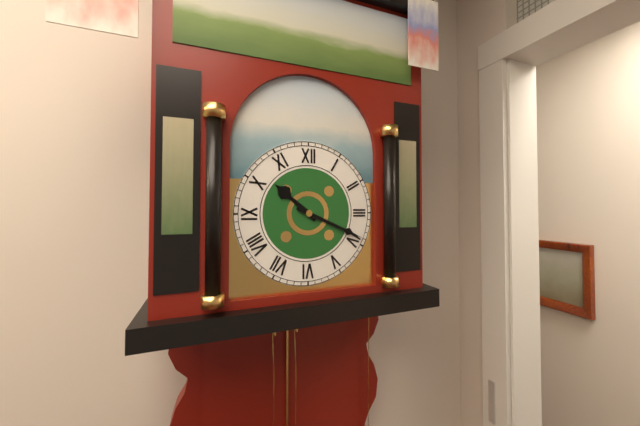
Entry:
10.19
